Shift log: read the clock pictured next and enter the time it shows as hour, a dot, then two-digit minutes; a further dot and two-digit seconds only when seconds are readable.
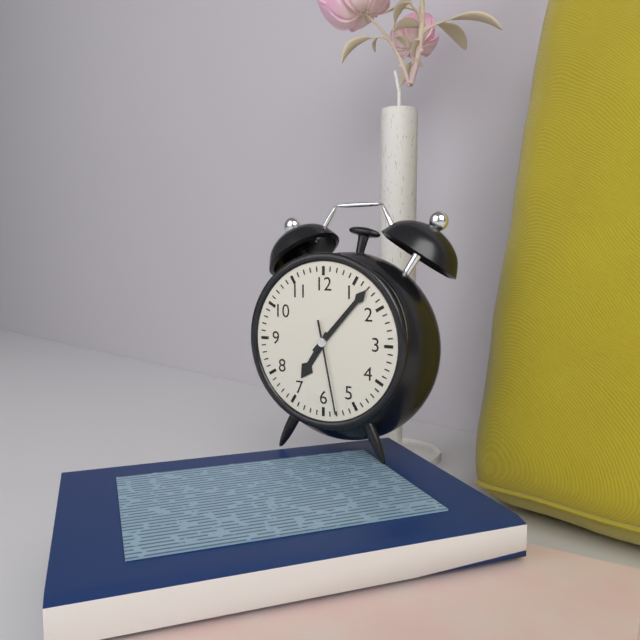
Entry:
7.07.28
